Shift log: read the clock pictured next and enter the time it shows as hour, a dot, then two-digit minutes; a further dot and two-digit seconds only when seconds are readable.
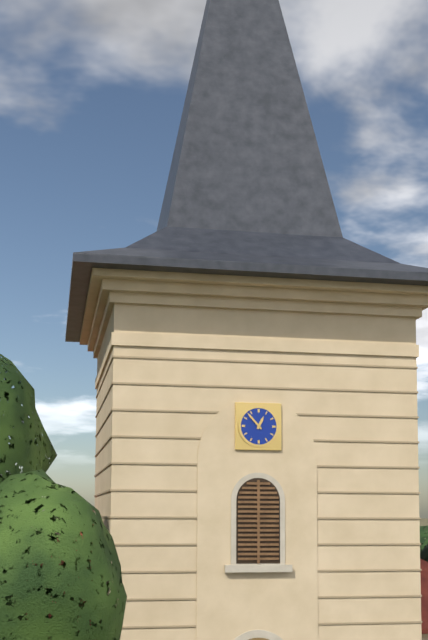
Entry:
12.53
